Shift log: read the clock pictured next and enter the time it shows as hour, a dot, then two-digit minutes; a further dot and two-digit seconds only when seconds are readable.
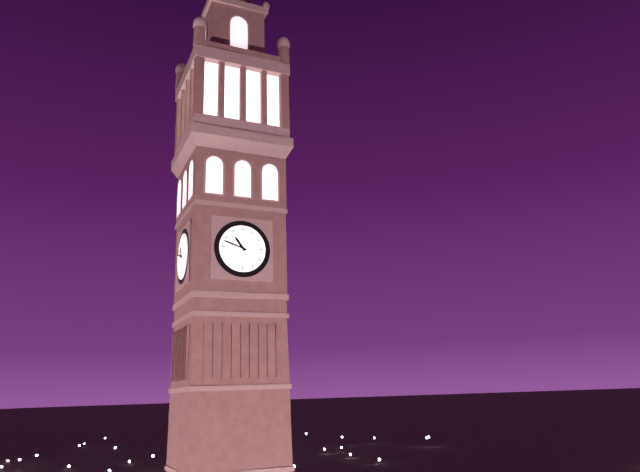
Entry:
10.48
